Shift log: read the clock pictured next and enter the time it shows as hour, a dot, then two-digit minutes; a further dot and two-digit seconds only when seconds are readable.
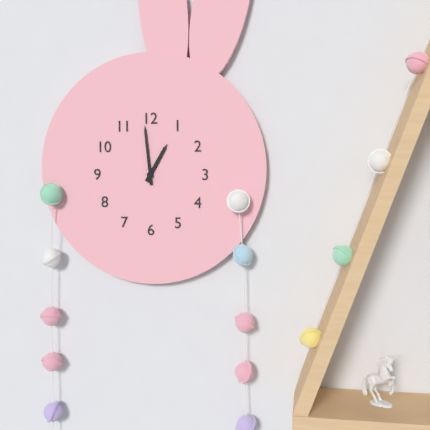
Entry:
12.59
